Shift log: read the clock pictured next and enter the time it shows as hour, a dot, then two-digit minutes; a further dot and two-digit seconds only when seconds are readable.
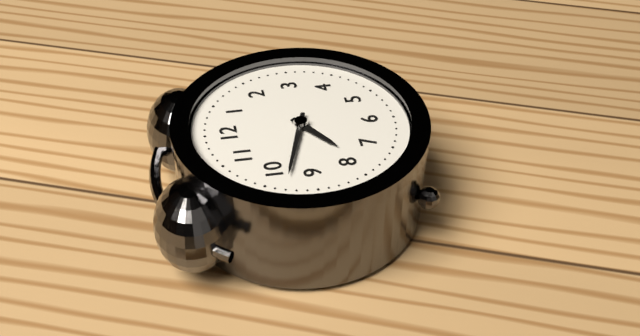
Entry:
7.48
